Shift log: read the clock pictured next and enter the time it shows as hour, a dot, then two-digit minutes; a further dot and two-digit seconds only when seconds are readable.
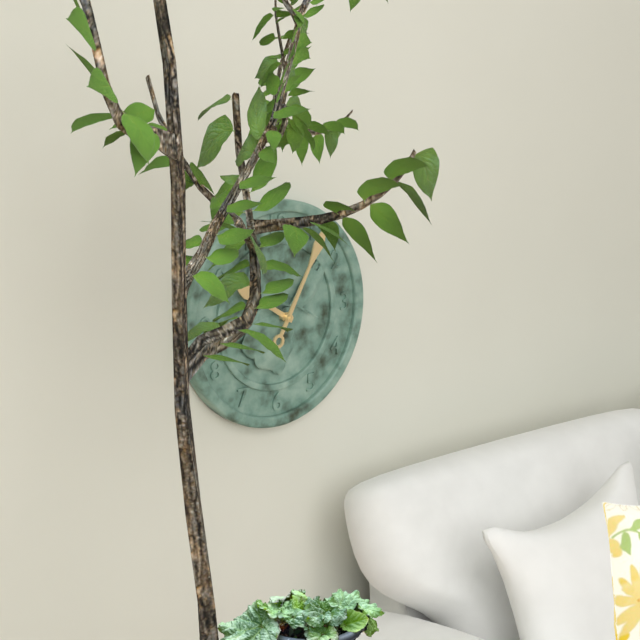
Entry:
10.05
